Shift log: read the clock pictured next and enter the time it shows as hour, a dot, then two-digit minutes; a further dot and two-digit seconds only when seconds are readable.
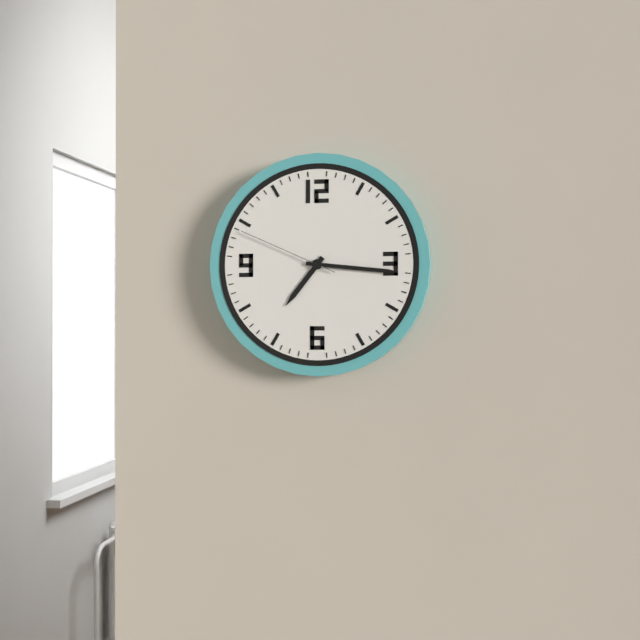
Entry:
7.16.49
